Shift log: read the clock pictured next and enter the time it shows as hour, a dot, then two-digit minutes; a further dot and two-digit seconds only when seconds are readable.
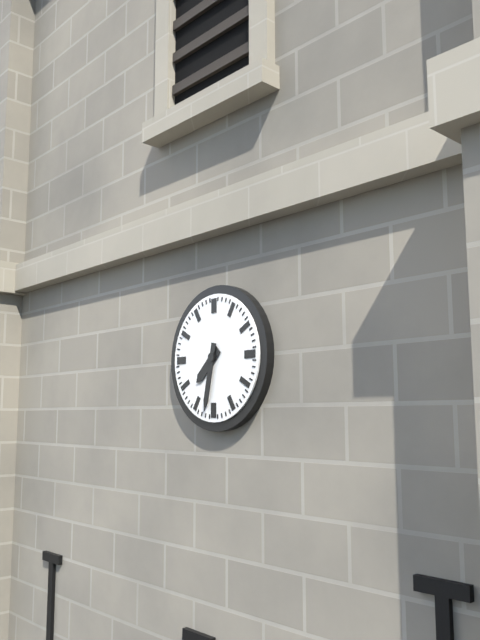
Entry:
7.32
